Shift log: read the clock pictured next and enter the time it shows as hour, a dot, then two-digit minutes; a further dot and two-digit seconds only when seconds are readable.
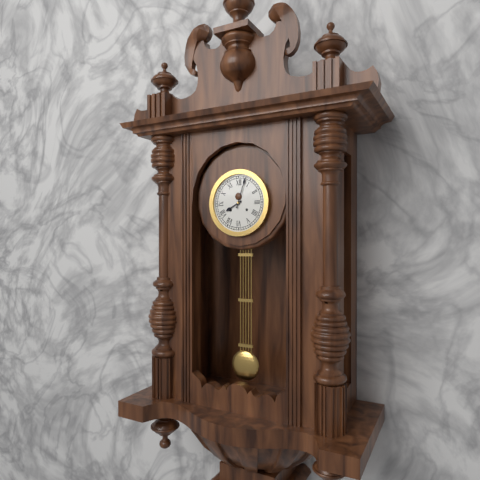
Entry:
8.03
